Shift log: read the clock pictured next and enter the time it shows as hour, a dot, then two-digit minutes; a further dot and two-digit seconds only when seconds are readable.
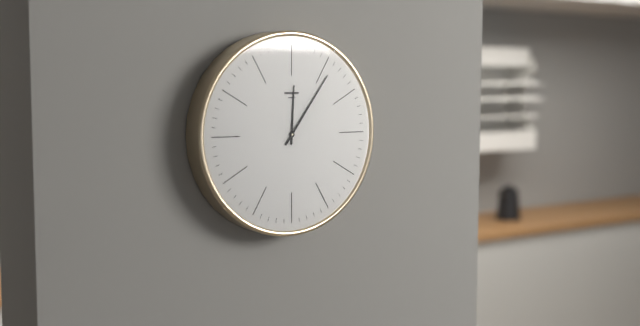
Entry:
12.06
